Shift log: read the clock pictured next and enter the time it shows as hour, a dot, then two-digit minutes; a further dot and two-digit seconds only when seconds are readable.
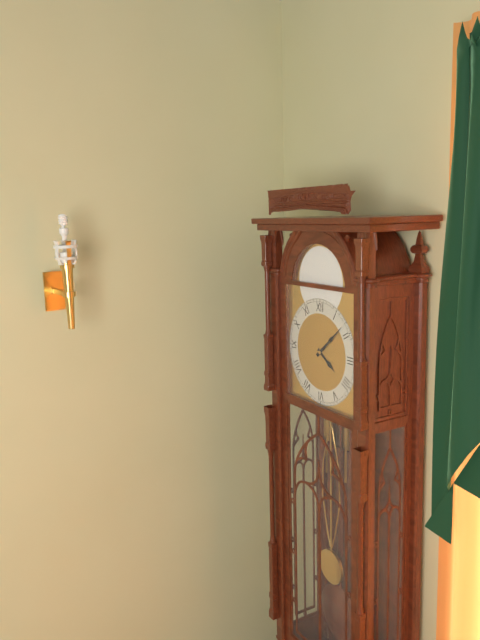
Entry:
4.08
